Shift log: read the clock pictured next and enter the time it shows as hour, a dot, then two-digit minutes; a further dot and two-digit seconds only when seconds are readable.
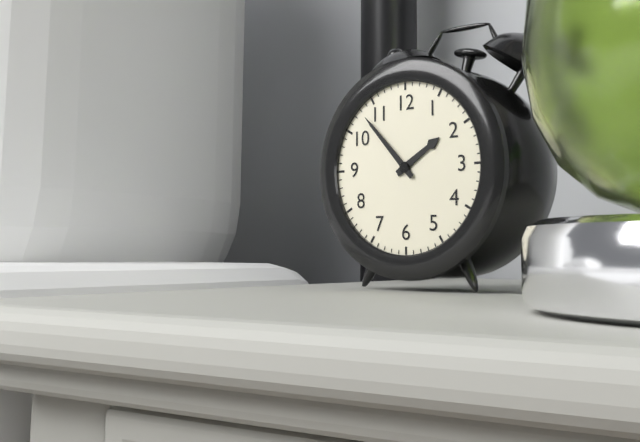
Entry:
1.53
